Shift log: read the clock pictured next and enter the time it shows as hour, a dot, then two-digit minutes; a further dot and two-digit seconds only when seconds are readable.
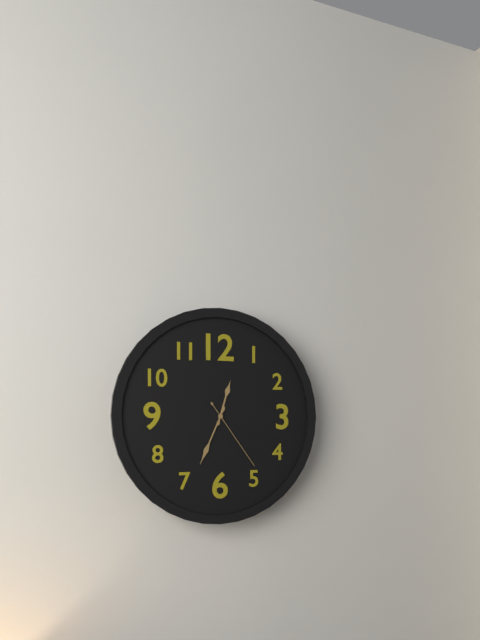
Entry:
12.34.24
